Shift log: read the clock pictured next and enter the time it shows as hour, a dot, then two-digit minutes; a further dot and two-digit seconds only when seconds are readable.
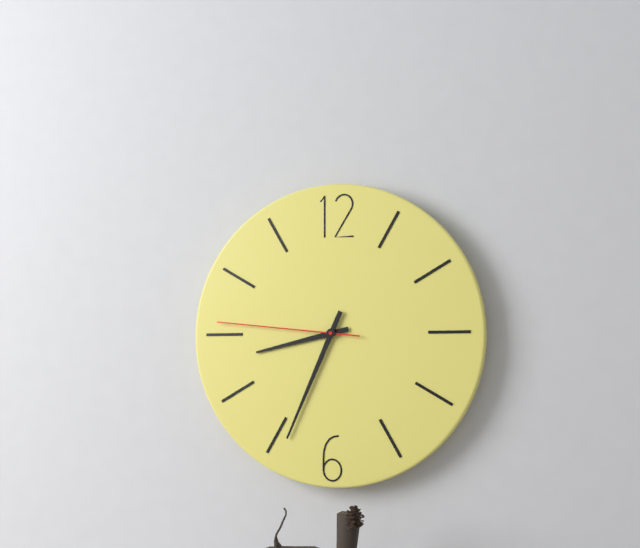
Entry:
8.34.46
